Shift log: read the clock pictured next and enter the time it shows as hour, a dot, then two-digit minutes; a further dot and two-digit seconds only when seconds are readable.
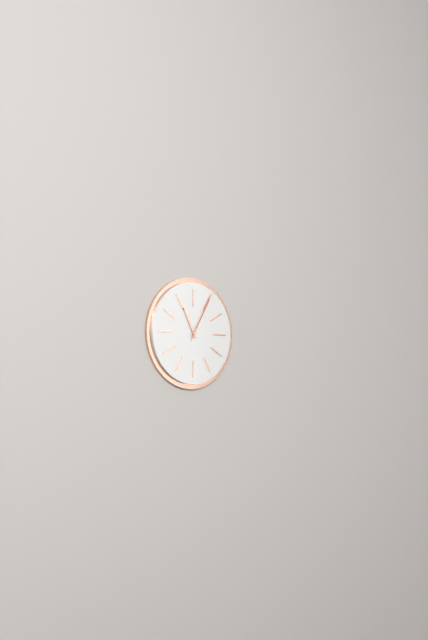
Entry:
11.05
